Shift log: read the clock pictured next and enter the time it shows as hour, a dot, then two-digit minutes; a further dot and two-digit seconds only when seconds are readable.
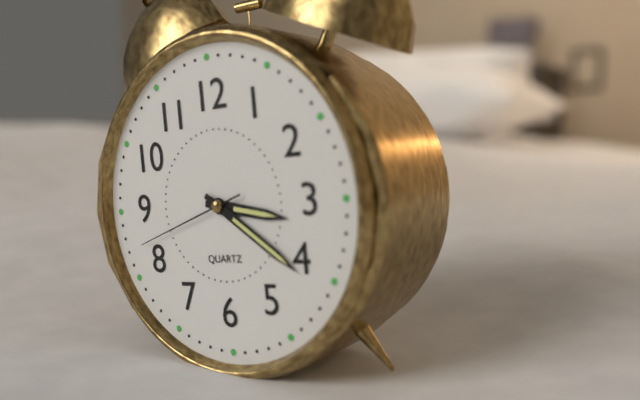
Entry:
3.21.42
